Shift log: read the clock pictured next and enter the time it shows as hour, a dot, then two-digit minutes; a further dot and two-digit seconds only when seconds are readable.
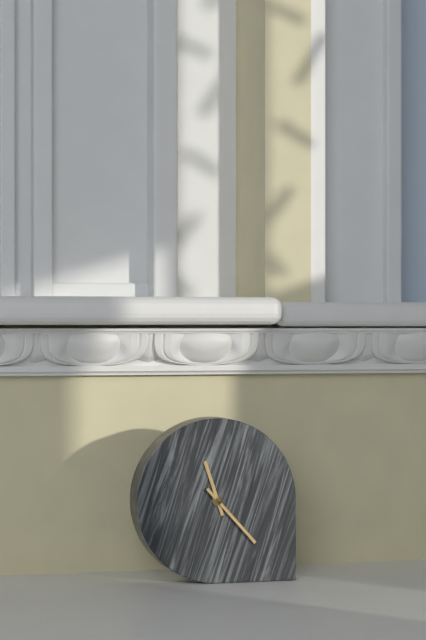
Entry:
11.23
